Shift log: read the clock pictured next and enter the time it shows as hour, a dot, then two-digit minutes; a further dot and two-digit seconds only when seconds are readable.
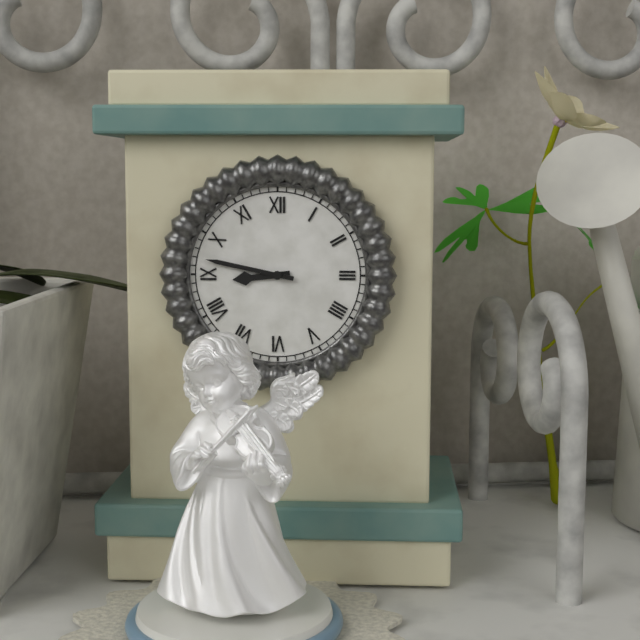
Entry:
8.47
